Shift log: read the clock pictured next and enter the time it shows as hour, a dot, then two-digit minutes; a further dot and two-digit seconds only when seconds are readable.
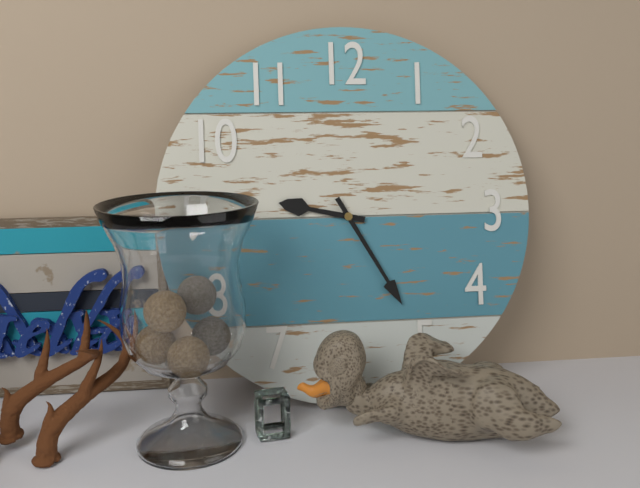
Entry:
9.25
